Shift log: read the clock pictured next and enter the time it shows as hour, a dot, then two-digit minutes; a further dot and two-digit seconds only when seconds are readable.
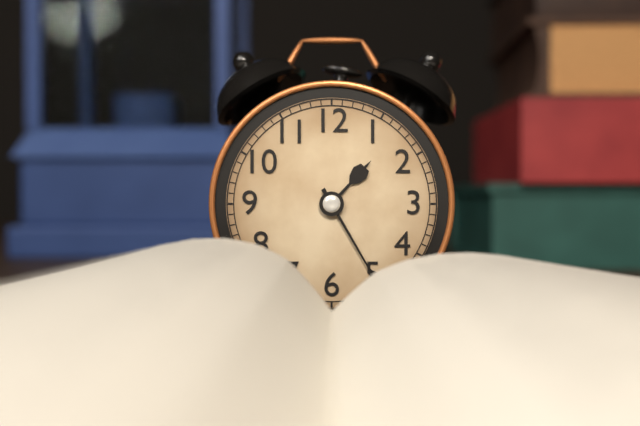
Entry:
1.25
